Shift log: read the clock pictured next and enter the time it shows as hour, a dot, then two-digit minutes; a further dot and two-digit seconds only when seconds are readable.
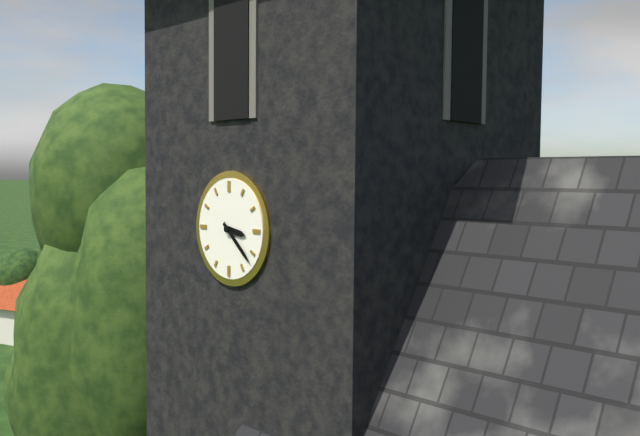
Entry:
3.22
